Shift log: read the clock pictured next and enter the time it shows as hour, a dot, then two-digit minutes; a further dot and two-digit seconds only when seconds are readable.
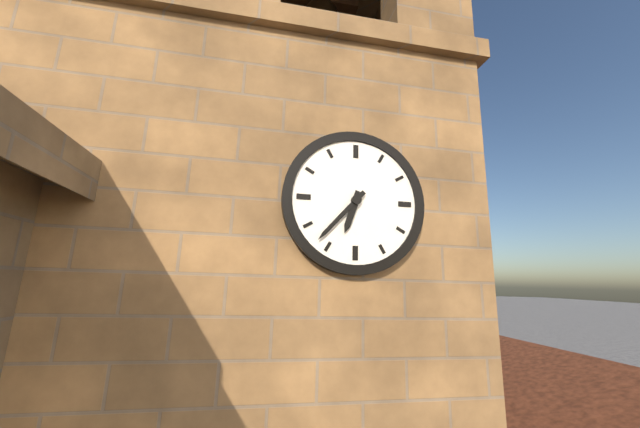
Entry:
6.37
